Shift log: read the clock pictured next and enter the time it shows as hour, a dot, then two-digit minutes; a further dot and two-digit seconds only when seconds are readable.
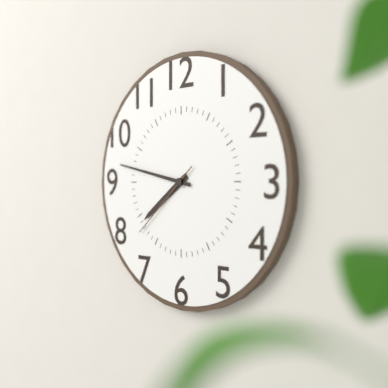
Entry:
7.47.38
